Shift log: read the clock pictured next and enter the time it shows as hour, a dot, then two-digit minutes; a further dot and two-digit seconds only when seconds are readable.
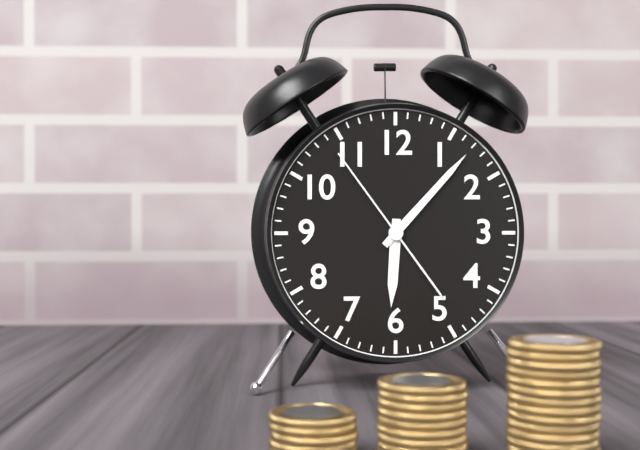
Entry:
6.07.54
